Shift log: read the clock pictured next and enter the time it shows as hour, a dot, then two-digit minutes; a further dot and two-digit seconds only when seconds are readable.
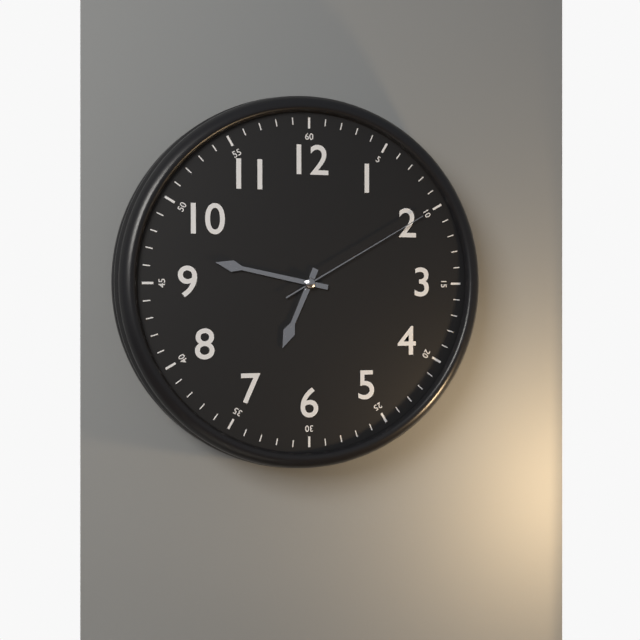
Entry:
6.47.10
